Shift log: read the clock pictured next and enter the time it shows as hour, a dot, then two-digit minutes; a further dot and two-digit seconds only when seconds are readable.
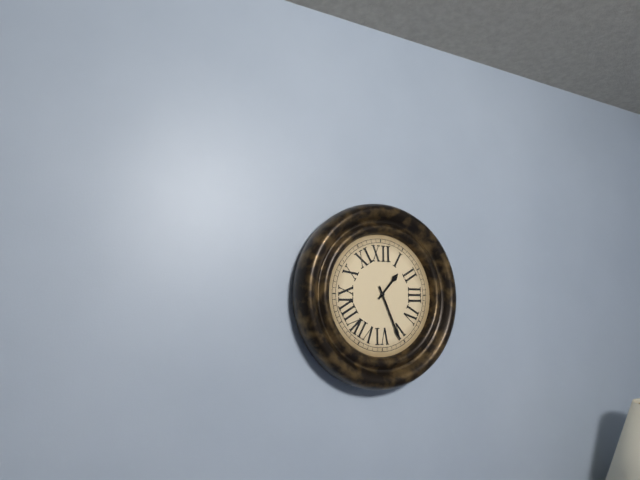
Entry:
1.26
